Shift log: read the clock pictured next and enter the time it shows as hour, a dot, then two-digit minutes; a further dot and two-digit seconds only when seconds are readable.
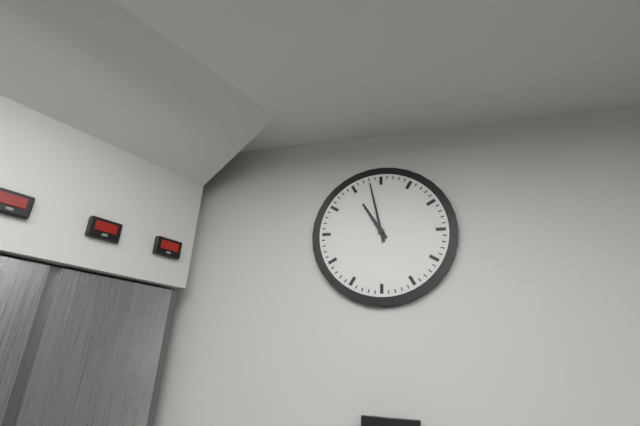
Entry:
10.58
